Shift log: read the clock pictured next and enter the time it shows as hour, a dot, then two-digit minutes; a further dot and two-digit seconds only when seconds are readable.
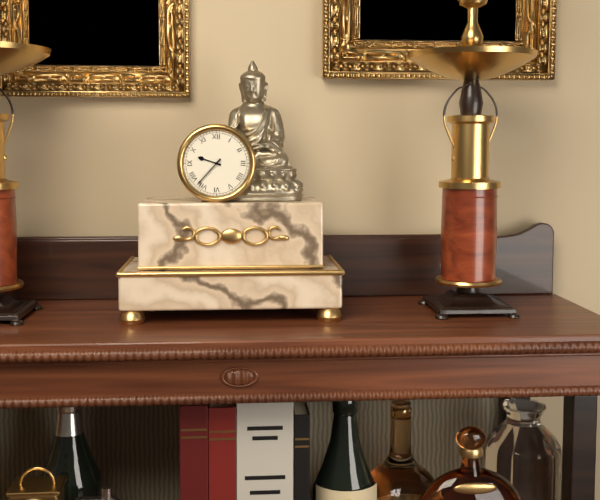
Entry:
9.37
